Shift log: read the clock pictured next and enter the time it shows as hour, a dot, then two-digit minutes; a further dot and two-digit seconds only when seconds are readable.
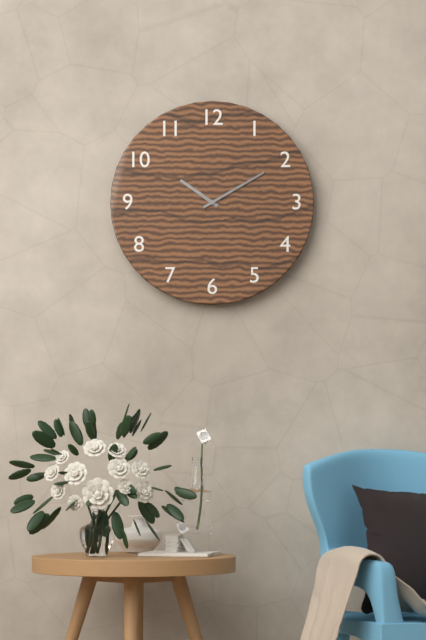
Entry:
10.10
